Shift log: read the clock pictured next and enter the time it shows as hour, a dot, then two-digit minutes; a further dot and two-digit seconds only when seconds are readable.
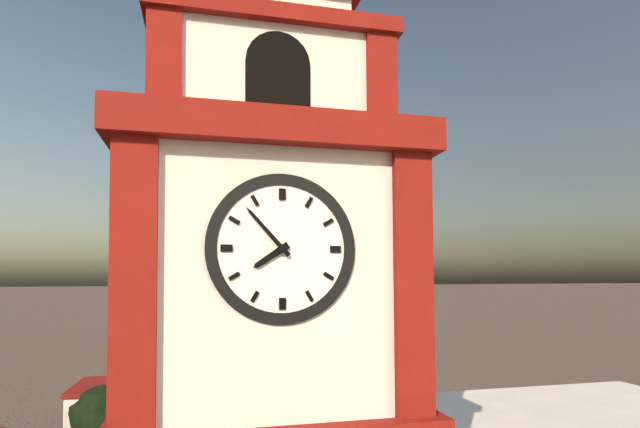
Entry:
7.53
